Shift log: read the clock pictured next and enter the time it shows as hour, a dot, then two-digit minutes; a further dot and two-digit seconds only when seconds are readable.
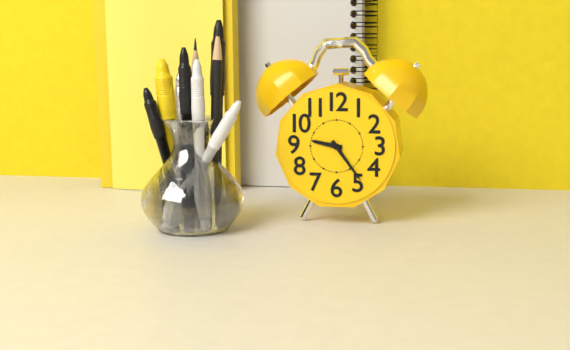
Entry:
9.24
